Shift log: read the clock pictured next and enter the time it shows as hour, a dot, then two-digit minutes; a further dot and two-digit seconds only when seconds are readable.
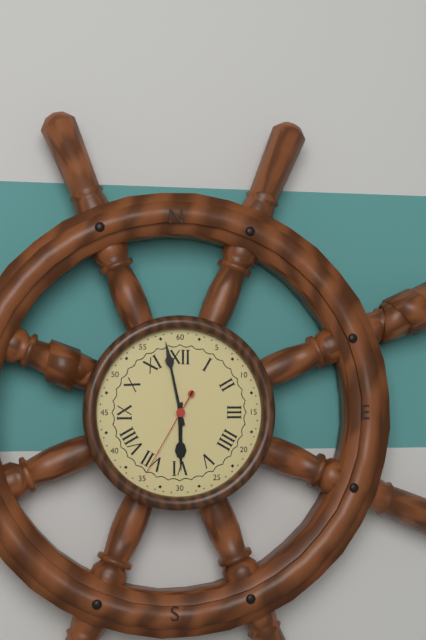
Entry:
5.58.35
